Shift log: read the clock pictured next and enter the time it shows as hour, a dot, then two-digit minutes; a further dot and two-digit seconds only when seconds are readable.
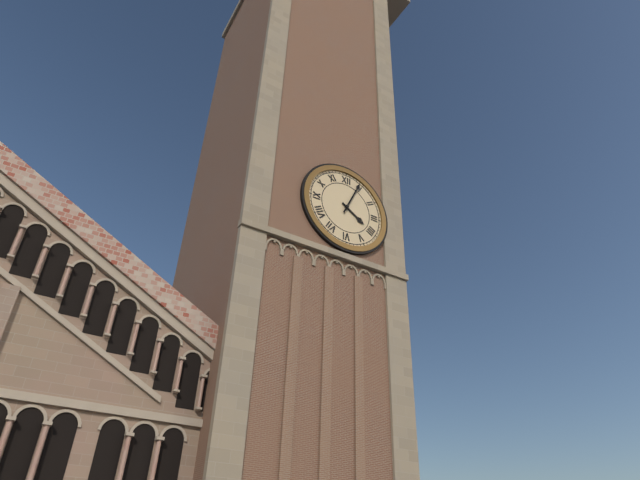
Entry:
4.04
